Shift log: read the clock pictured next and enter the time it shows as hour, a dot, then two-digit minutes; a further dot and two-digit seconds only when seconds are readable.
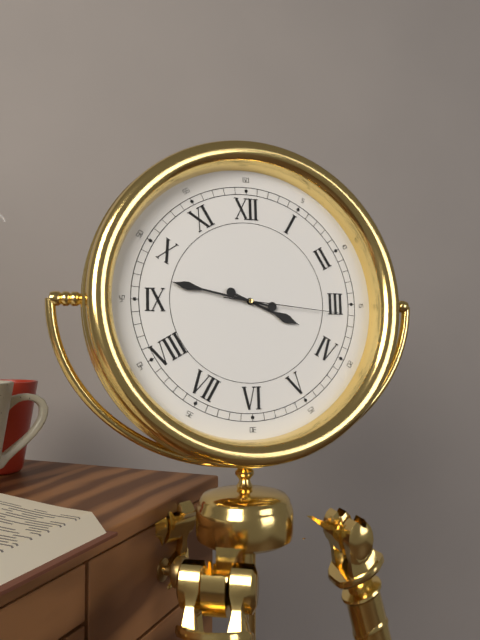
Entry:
3.47.16
